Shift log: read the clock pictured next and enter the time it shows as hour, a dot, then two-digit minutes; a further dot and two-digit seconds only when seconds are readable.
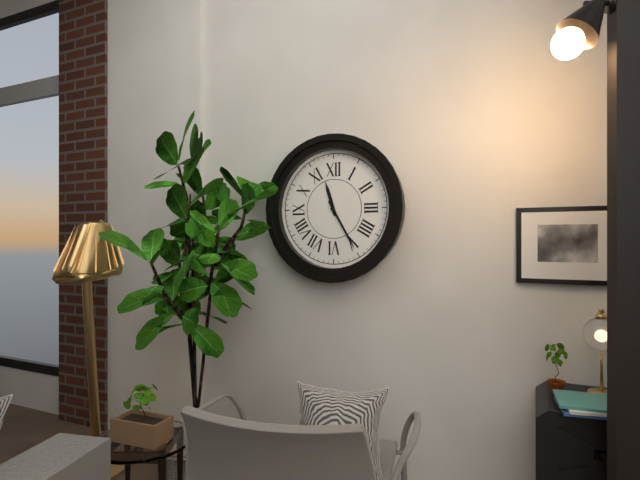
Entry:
11.25
